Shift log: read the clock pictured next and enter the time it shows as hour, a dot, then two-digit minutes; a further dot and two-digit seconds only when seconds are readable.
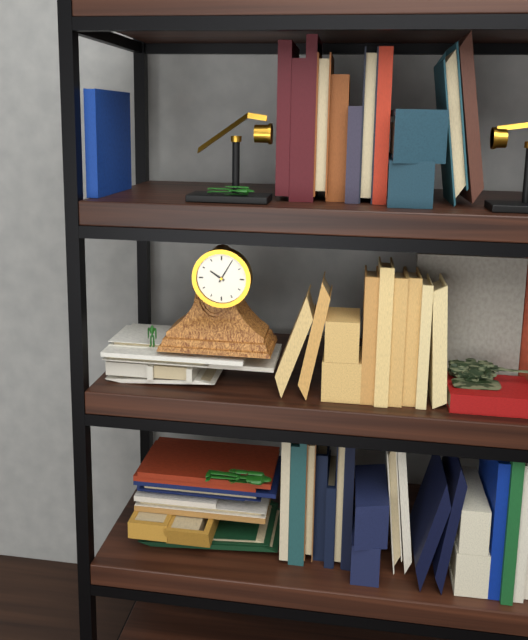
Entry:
10.05
